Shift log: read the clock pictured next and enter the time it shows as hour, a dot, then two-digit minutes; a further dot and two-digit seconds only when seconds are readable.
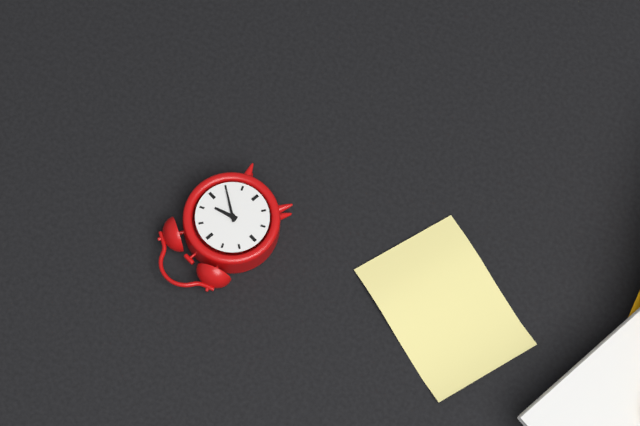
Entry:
2.20
